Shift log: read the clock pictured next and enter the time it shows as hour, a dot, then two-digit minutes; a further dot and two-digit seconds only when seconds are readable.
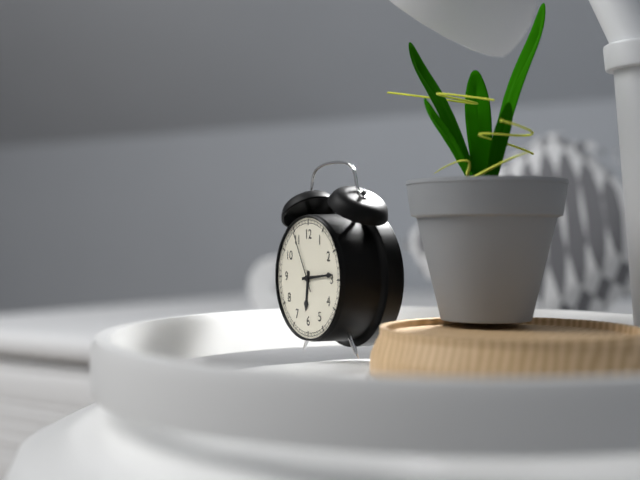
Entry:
6.14.55
